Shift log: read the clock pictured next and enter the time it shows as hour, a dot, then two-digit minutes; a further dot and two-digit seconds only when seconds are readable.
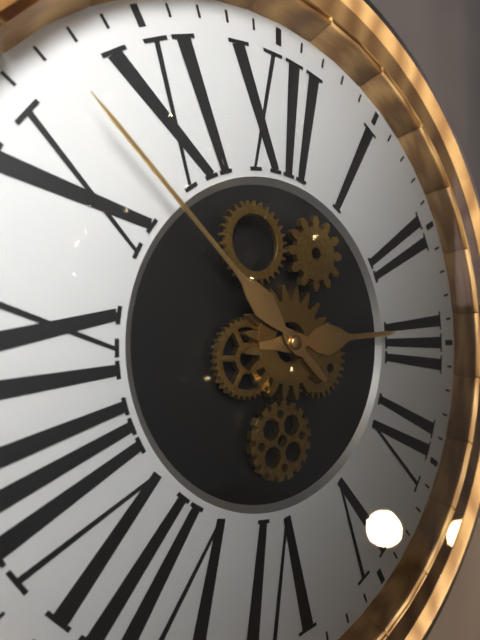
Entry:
2.52
